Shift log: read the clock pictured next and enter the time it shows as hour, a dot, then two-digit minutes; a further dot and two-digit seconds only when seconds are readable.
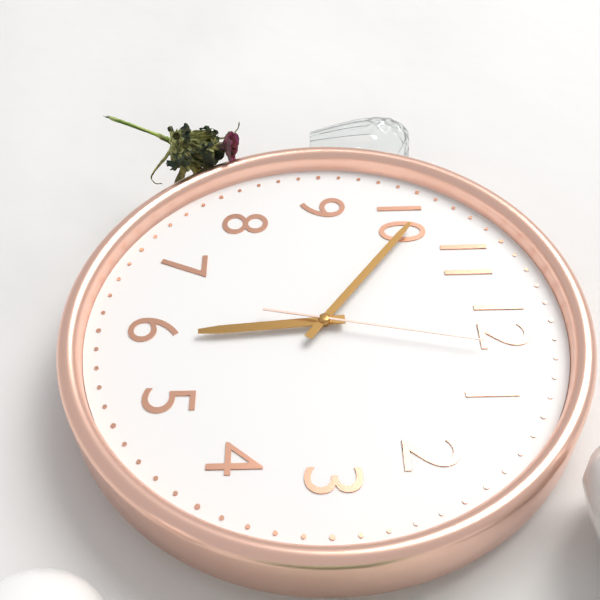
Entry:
5.51.02
